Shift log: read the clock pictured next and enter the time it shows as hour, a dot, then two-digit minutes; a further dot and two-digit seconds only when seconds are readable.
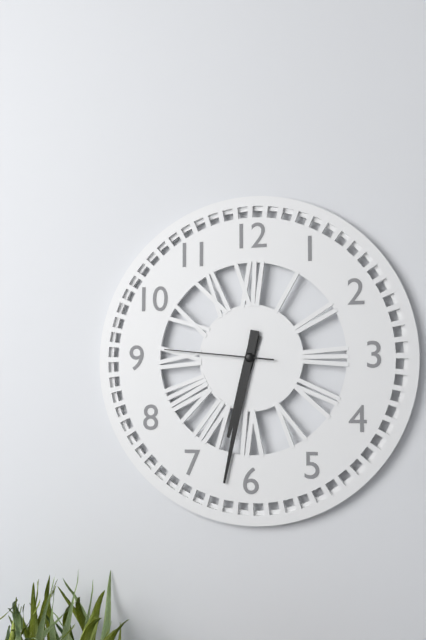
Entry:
6.32.46
